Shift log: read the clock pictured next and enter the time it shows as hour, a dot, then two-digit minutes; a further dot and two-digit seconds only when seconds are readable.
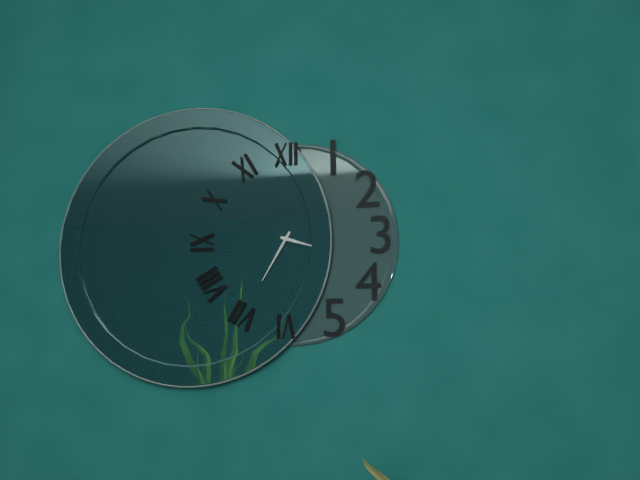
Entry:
3.35
